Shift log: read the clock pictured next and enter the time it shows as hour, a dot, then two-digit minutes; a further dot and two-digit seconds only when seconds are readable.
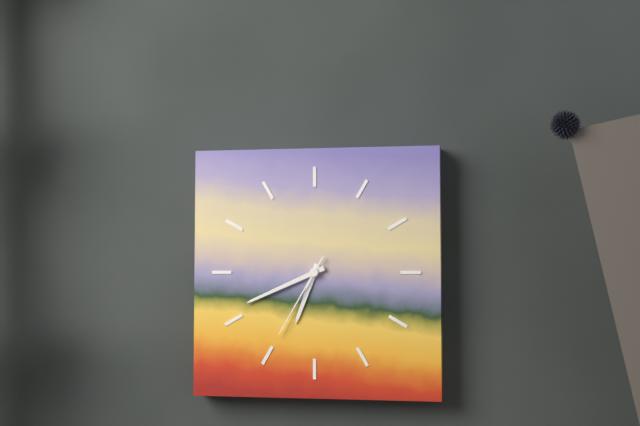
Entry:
6.41.35
